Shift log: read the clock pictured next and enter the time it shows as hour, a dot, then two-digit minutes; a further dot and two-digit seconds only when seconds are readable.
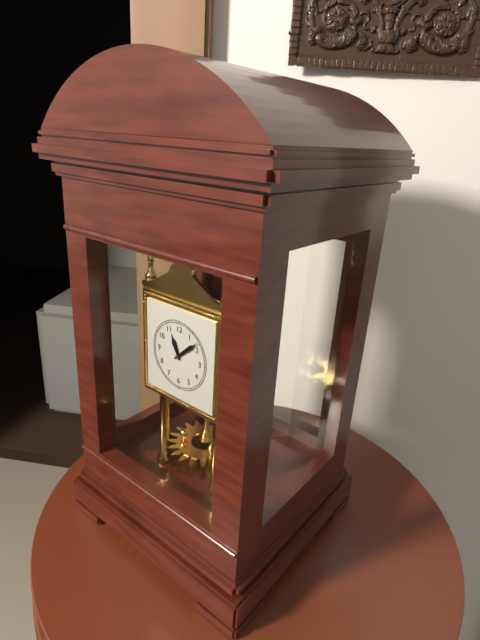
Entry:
11.08
